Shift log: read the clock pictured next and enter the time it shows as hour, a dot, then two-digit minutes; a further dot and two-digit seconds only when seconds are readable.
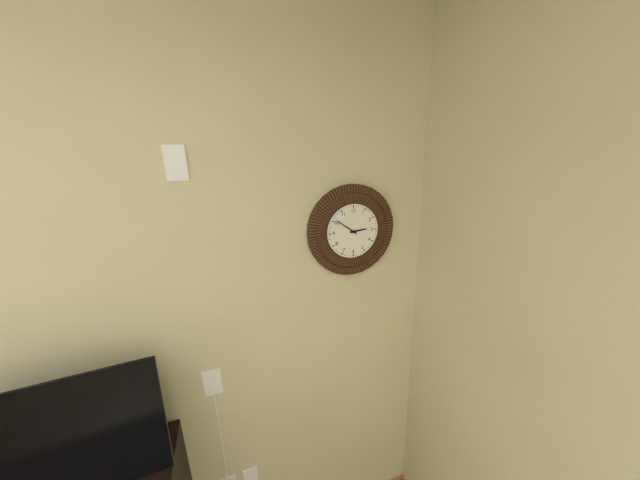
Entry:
2.51
